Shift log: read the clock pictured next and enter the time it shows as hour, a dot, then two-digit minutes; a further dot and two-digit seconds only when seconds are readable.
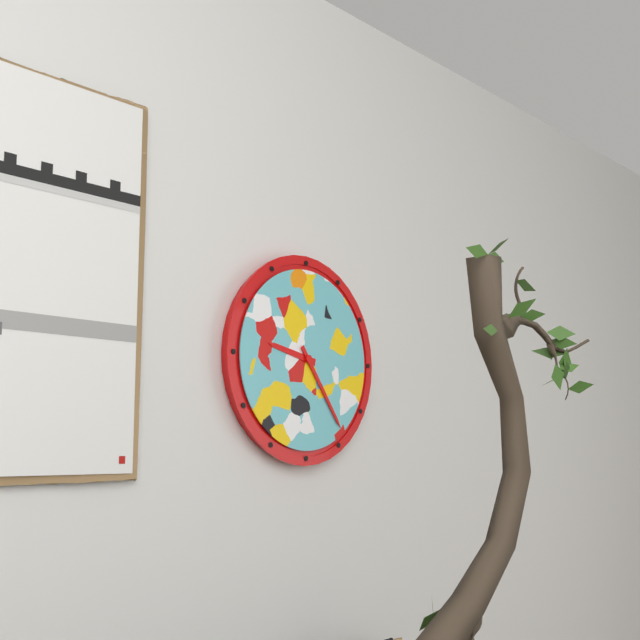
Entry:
9.24
